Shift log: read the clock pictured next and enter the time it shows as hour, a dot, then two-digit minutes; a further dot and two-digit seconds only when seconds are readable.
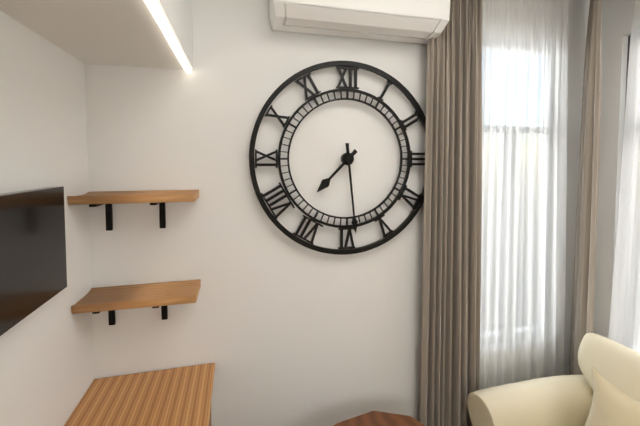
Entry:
7.29
